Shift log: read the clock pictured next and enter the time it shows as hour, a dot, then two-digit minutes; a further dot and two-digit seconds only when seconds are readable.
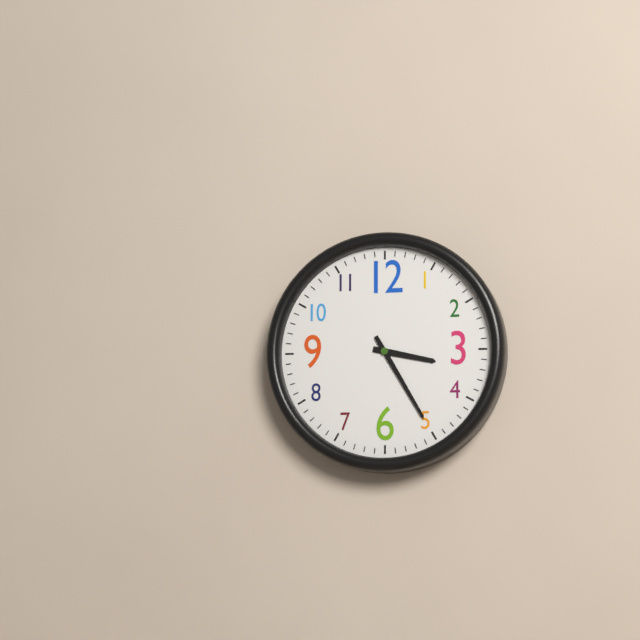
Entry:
3.25
